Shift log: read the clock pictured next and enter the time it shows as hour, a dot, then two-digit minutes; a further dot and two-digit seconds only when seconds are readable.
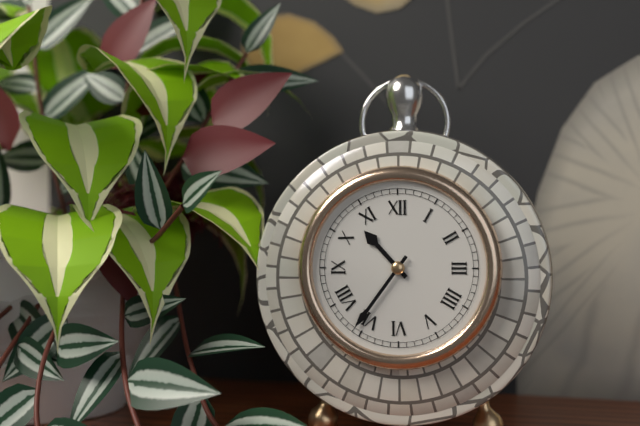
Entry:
10.36
